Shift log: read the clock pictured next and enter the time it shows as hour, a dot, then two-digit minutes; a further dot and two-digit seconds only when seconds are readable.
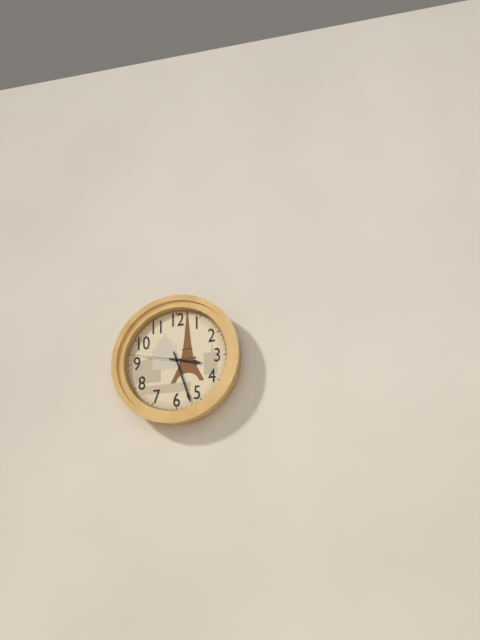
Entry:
3.27.47
